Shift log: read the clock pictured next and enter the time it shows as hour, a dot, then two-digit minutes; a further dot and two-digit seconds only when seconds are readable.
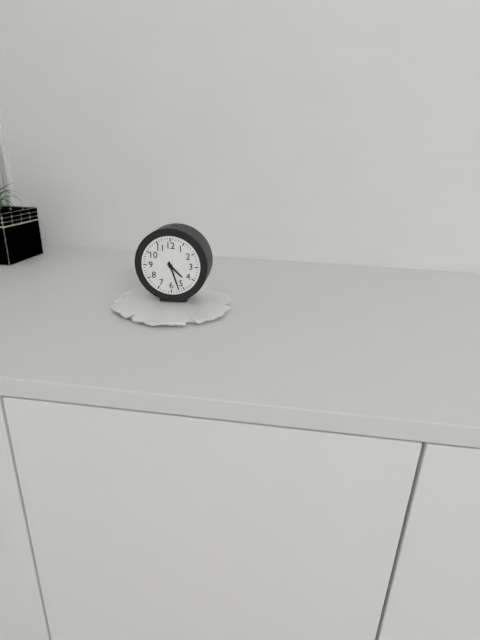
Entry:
4.27
